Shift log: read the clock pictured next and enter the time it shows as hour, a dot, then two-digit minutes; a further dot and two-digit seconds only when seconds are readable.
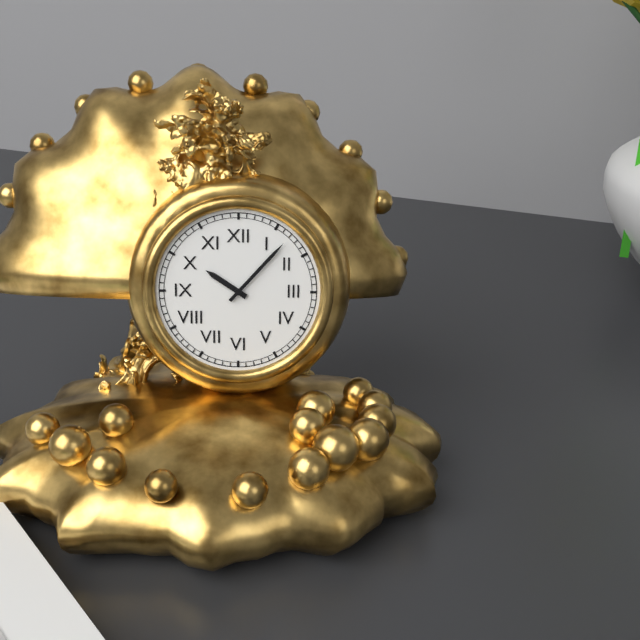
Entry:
10.07
